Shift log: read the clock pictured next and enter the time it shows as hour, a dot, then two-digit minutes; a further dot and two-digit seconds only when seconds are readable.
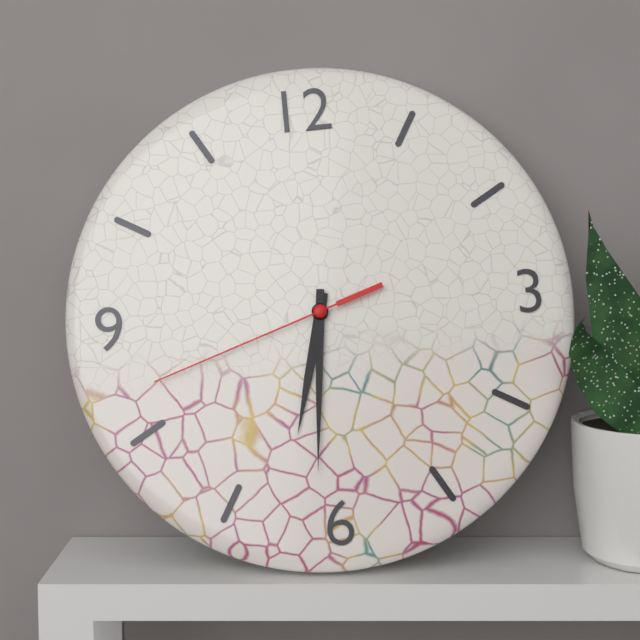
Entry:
6.31.42
